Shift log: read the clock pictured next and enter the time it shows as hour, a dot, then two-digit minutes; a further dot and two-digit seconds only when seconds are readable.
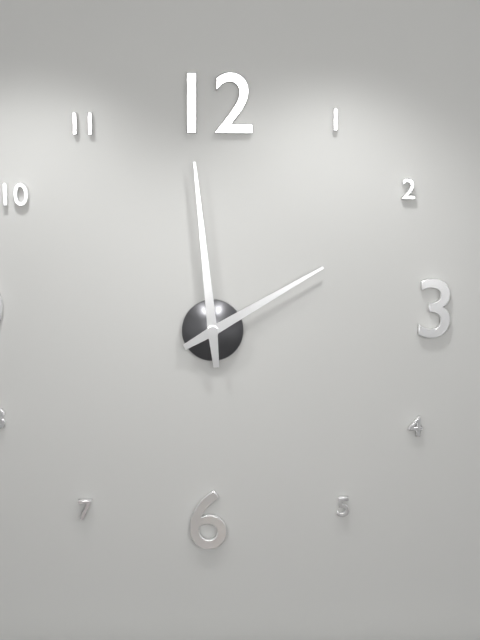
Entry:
1.59
